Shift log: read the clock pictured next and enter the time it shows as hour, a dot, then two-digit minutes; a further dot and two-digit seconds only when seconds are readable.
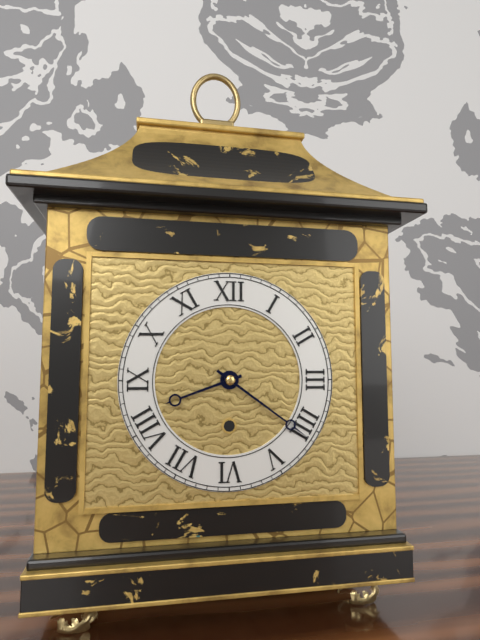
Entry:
8.21
